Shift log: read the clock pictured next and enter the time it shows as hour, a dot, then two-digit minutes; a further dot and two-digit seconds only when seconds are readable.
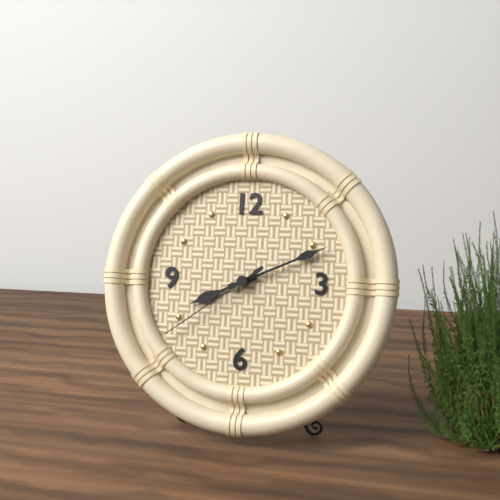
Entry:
8.11.39
